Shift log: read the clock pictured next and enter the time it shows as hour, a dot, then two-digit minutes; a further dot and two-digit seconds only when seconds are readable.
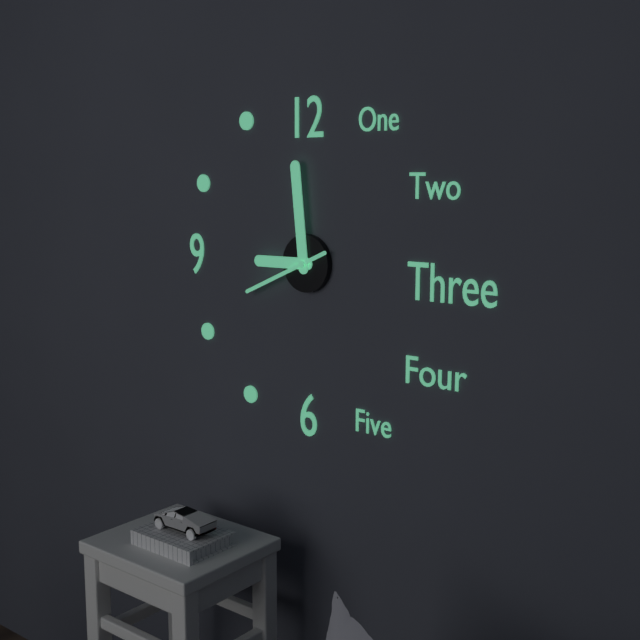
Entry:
8.59.41
